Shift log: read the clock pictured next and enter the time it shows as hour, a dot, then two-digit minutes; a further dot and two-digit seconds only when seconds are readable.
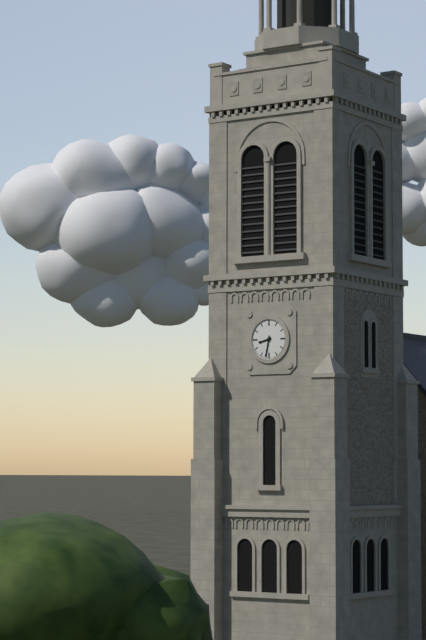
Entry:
8.32
